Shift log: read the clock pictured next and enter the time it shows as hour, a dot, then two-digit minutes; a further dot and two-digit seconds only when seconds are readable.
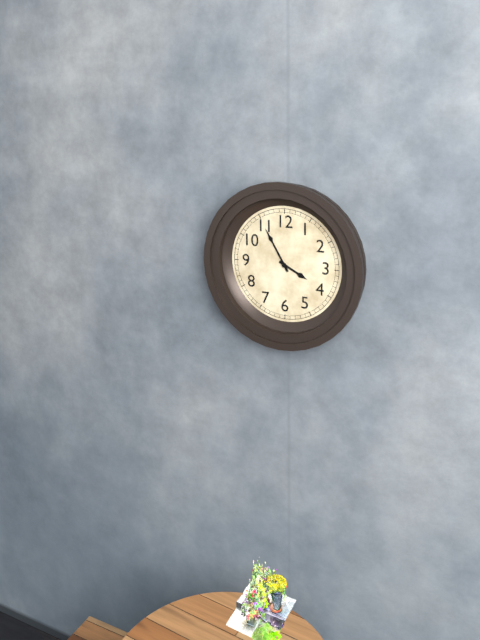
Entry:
3.55
